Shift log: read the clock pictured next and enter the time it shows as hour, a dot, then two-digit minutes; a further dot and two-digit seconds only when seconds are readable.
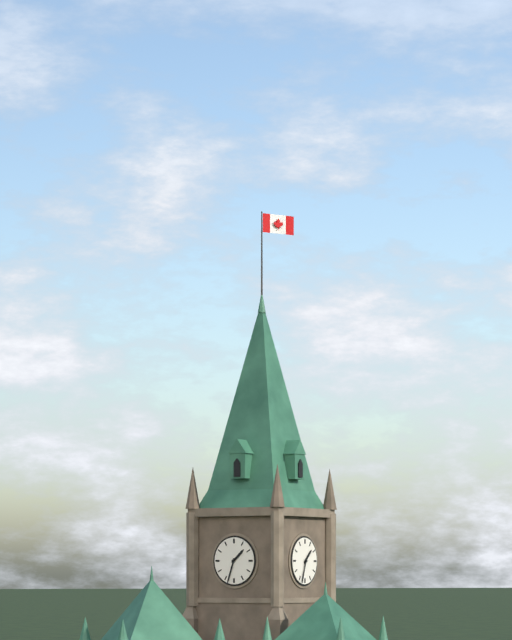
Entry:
1.33
